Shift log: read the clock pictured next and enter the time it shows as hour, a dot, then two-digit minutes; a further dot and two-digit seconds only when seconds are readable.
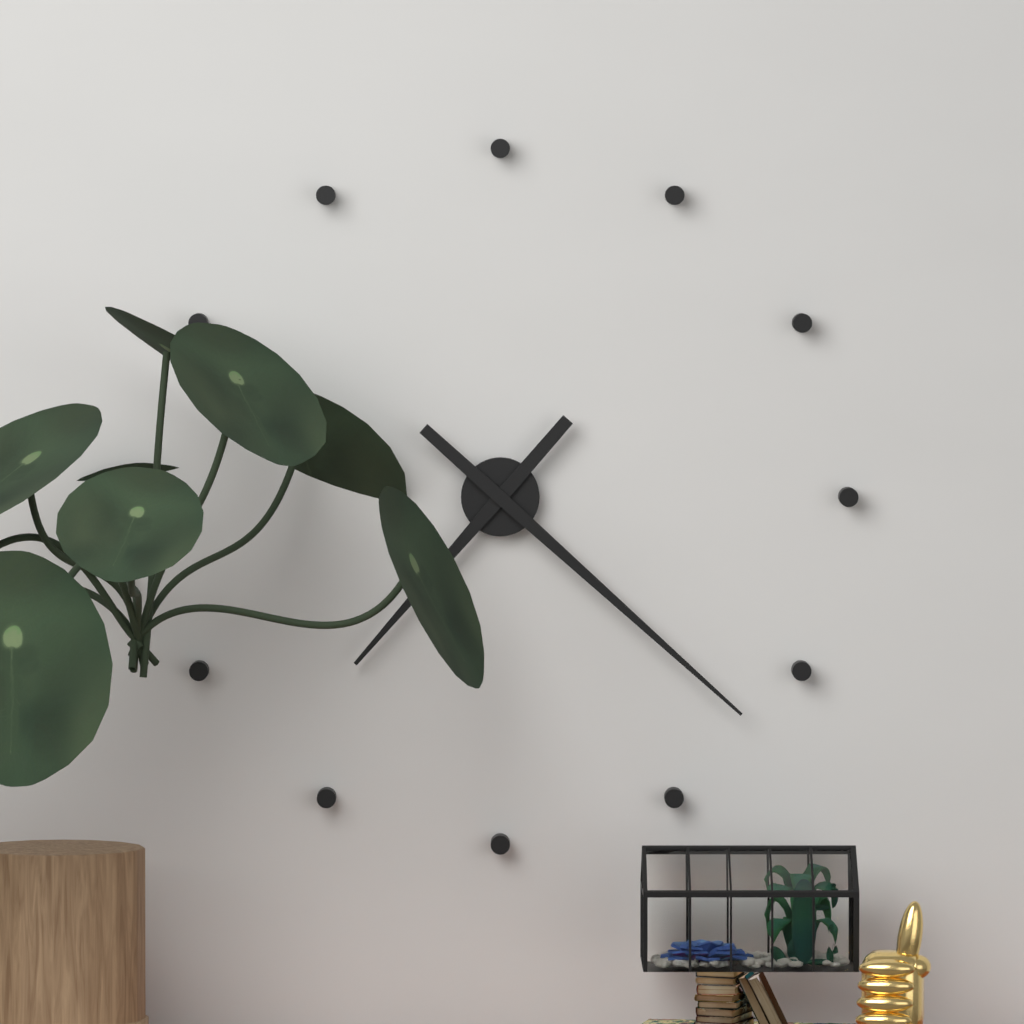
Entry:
7.22
